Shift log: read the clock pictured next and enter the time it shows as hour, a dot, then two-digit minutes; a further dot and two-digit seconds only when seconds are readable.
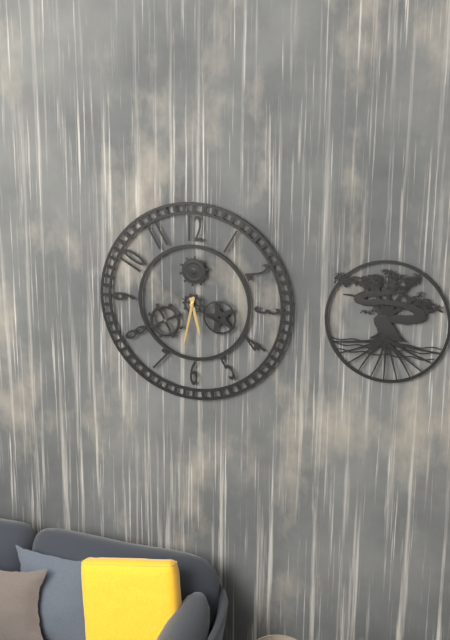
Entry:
5.32.20
